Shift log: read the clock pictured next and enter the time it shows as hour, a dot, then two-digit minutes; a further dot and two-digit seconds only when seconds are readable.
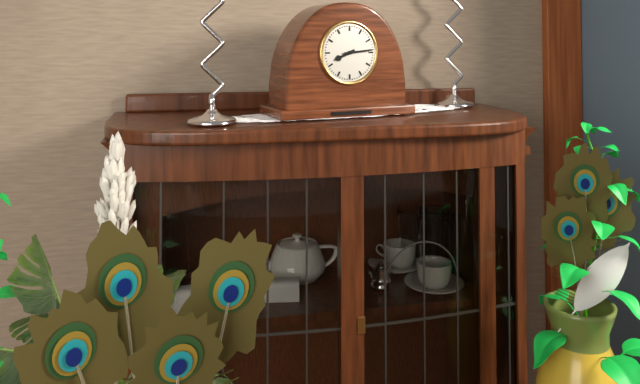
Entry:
8.14
